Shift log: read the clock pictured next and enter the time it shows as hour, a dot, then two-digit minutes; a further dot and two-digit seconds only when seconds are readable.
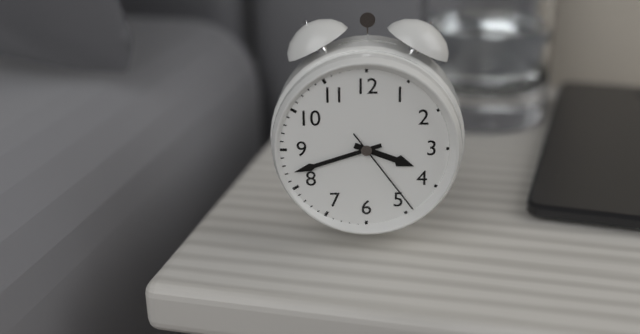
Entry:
3.42.24
